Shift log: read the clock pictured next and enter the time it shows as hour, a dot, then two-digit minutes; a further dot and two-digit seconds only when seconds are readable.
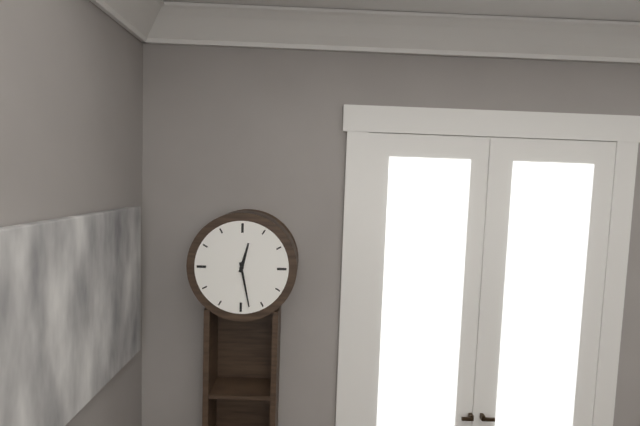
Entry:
12.28
